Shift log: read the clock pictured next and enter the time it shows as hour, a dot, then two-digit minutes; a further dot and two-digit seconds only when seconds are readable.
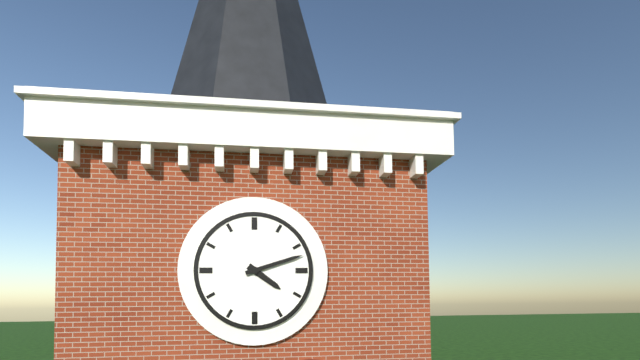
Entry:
4.12
